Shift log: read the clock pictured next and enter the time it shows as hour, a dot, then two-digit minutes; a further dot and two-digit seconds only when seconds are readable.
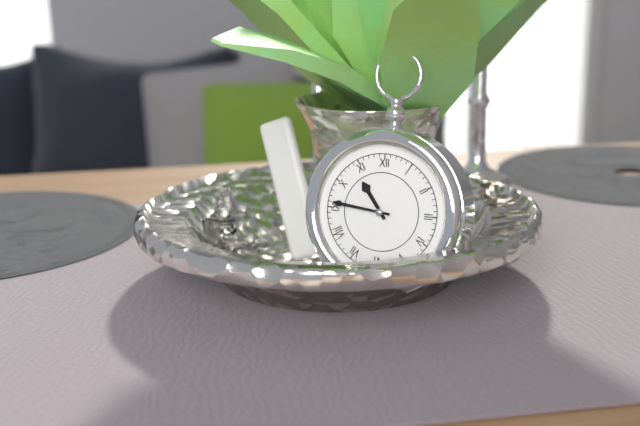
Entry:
10.46
